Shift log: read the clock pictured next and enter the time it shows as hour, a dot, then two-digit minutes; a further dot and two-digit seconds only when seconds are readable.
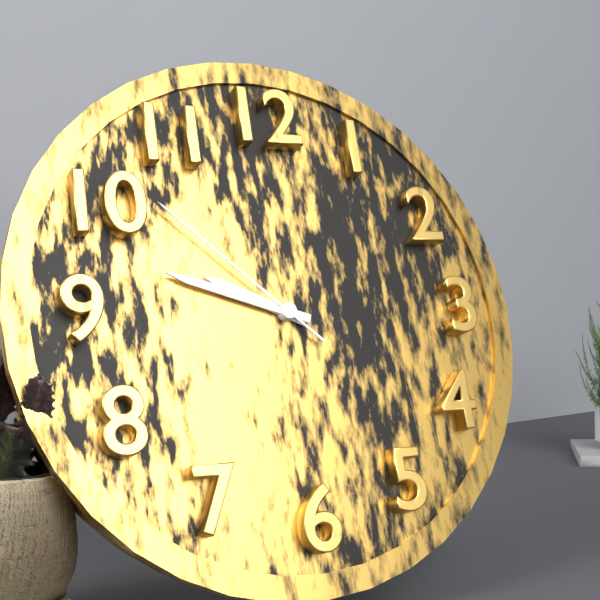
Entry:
9.48.52
